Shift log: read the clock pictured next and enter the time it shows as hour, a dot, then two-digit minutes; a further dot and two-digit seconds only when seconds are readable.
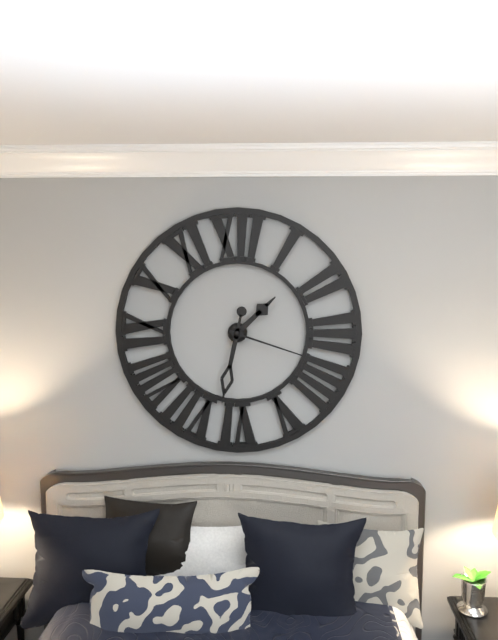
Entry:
1.32.18
